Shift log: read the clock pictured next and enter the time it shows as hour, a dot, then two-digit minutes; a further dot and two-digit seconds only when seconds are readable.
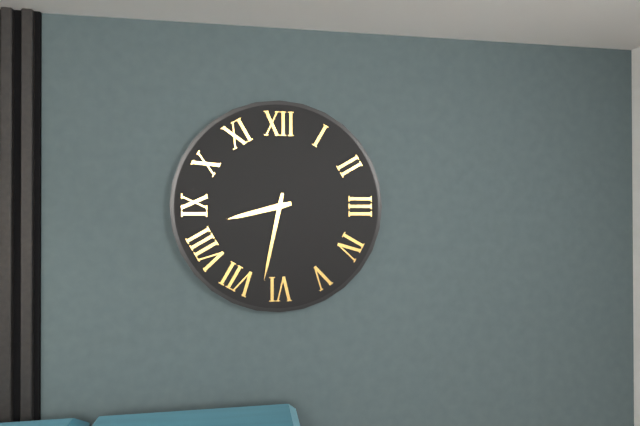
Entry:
8.32
